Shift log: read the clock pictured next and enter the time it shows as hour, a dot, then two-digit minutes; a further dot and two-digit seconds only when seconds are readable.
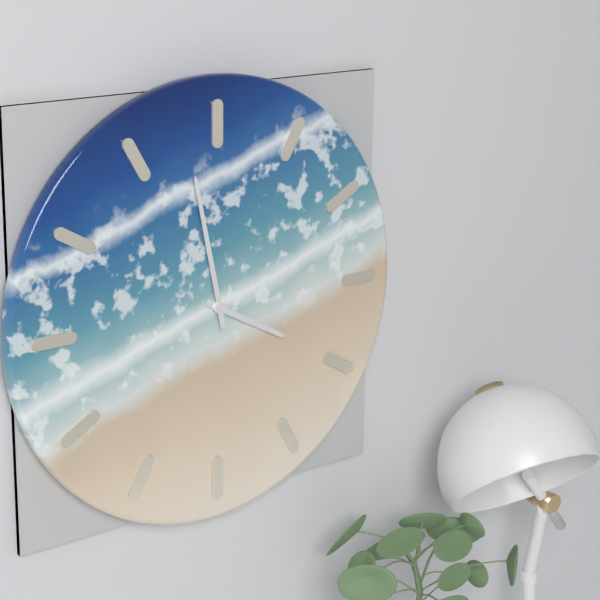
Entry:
3.58
